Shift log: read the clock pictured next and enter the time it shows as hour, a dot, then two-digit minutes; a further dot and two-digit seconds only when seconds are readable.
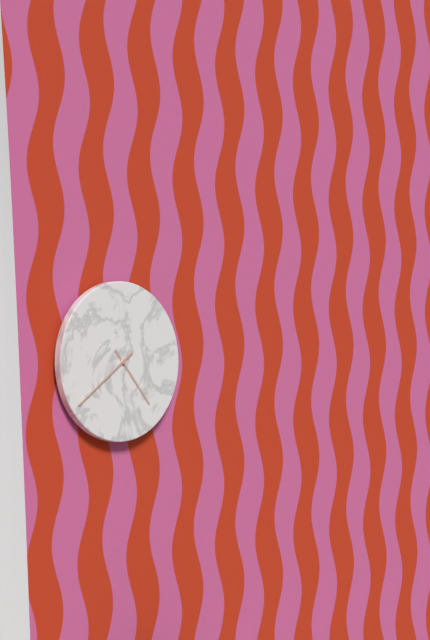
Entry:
4.39
